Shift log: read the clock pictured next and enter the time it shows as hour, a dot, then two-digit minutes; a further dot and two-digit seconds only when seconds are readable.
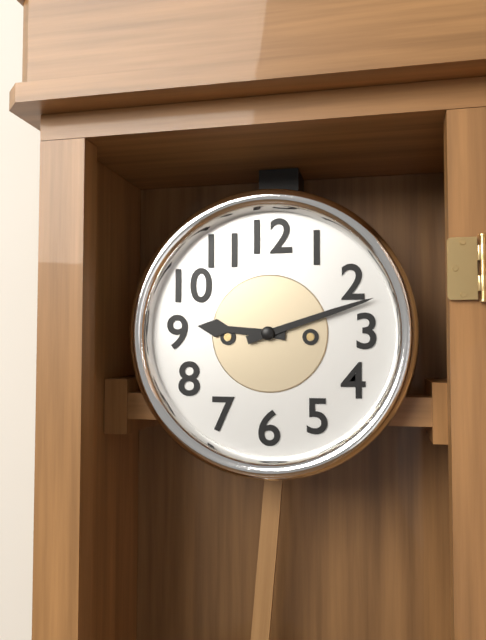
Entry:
9.12
